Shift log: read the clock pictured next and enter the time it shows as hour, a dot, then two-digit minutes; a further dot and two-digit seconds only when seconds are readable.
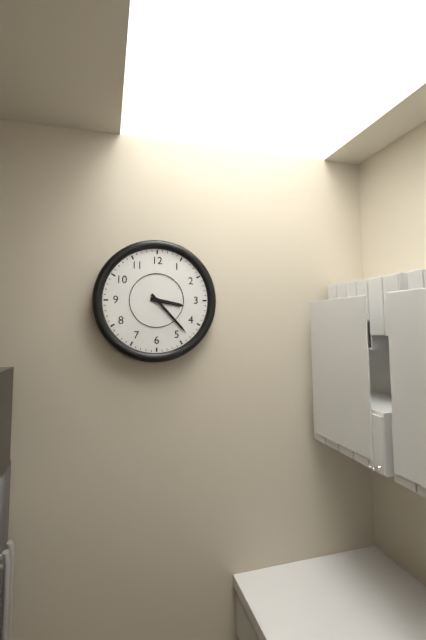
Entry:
3.23
